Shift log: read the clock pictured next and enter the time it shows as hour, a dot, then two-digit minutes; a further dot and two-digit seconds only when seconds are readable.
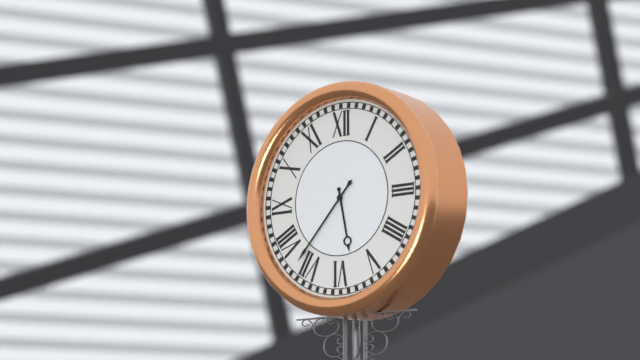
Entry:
5.37
